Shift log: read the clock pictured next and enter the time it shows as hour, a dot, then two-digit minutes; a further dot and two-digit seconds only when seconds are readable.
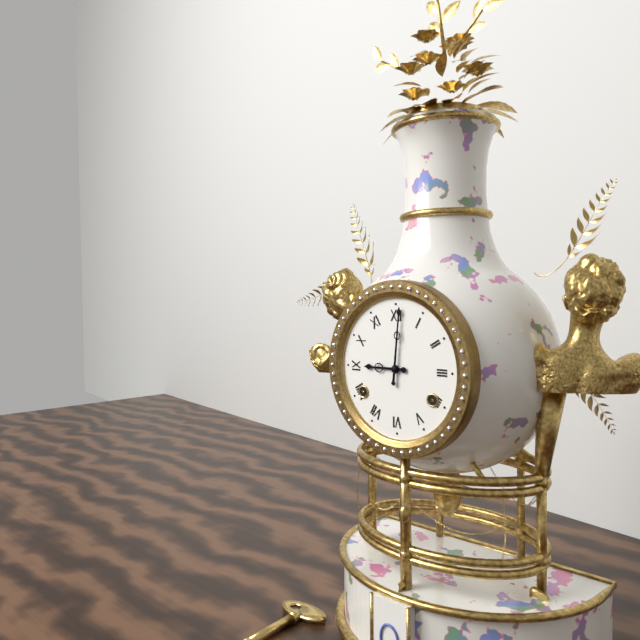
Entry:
9.01
